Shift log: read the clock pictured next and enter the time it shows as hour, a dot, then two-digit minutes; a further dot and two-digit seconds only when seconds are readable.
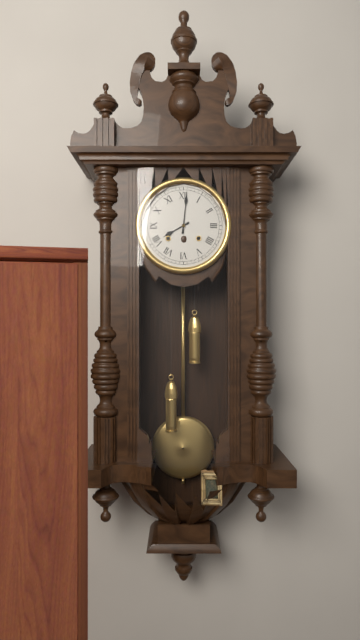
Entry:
8.01
